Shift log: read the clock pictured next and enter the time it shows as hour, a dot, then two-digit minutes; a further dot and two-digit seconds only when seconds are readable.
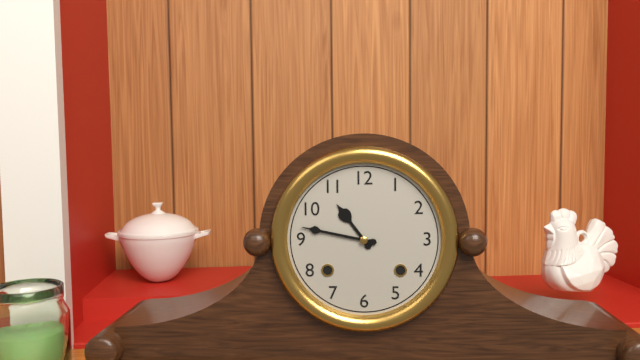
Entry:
10.47
